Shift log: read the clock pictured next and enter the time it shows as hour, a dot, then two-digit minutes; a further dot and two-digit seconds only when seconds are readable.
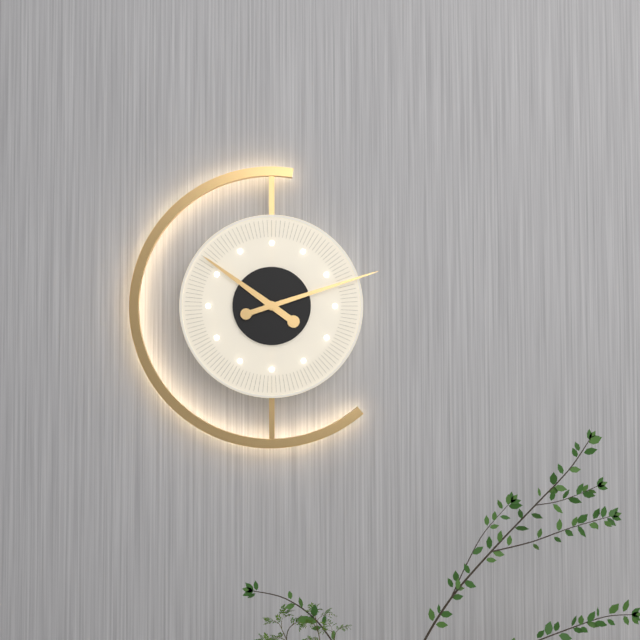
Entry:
10.12
